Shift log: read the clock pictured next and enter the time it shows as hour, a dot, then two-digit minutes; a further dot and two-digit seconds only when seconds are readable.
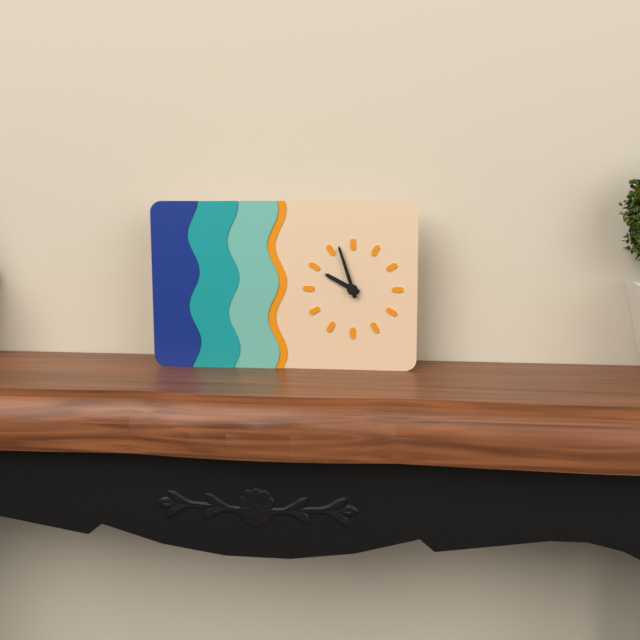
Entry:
9.57
